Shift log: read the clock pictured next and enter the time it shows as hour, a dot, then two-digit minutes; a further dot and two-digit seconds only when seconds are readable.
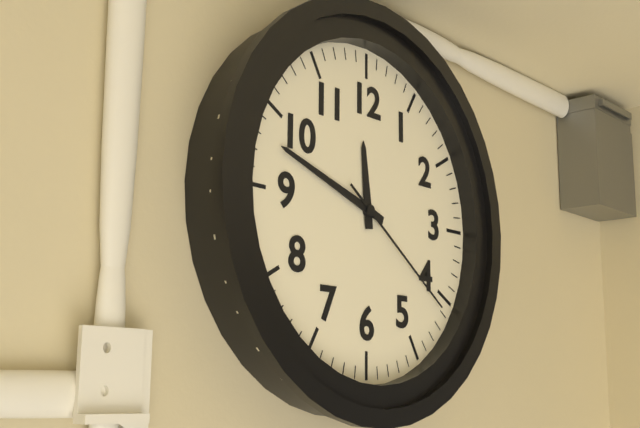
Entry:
11.48.21
